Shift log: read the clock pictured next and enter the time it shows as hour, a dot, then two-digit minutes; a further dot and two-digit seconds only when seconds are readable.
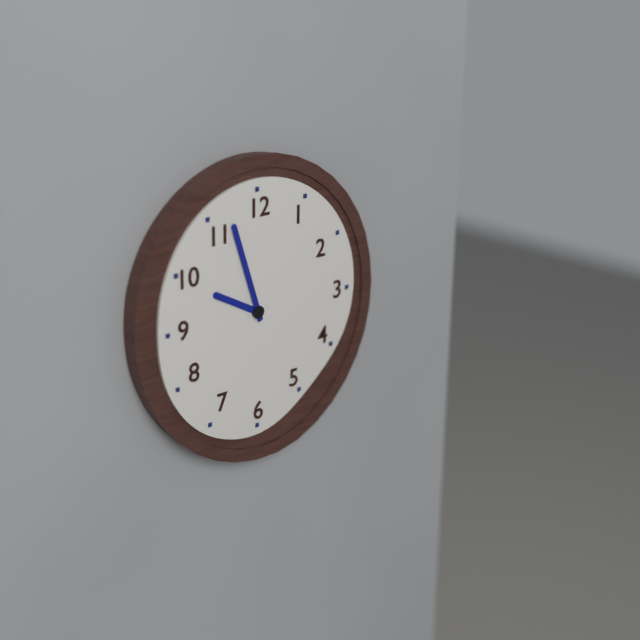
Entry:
9.57
